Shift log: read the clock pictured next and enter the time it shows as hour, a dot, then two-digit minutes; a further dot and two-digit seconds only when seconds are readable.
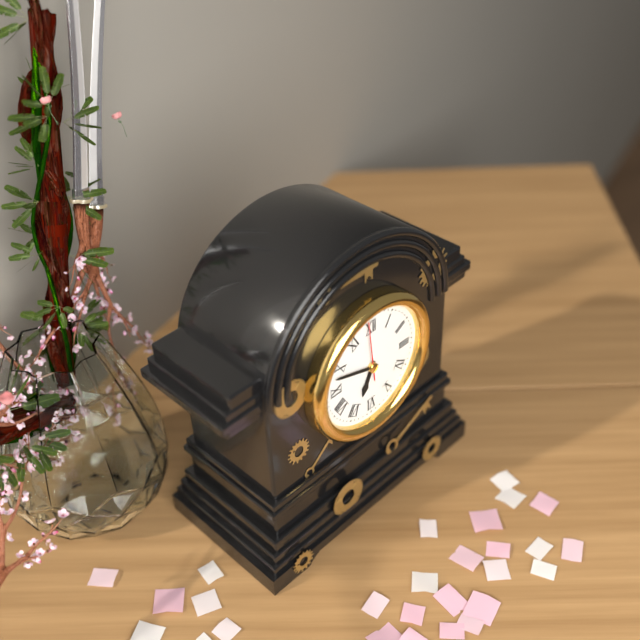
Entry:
6.48.59
